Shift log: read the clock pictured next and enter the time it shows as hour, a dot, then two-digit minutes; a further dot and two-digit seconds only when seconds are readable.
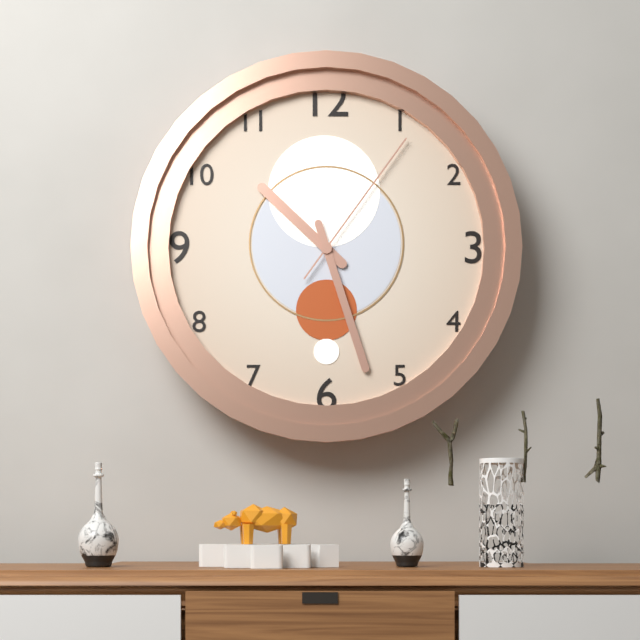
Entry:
10.27.06
